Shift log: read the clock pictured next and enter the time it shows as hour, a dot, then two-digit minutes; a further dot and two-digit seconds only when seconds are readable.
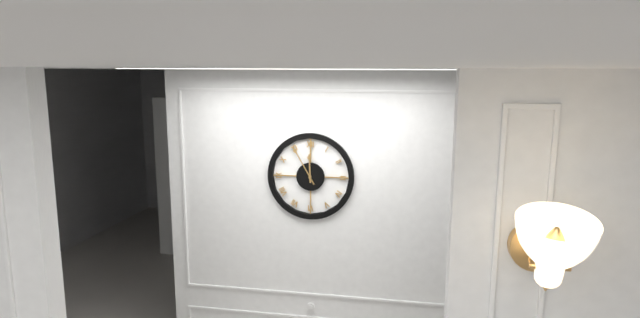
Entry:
11.55
